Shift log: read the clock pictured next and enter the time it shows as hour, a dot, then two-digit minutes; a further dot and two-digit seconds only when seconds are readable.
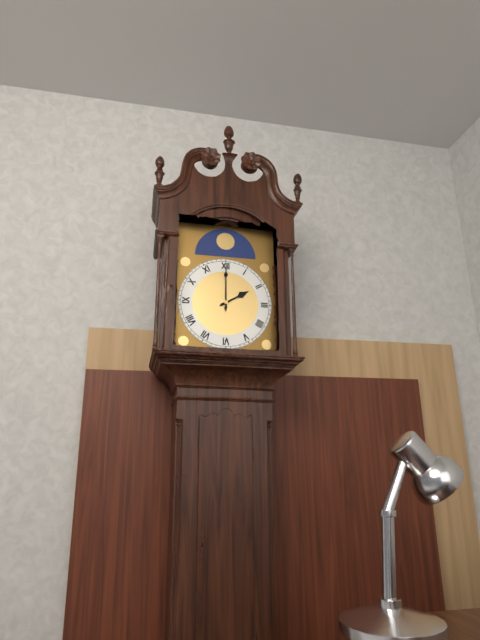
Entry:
2.00
